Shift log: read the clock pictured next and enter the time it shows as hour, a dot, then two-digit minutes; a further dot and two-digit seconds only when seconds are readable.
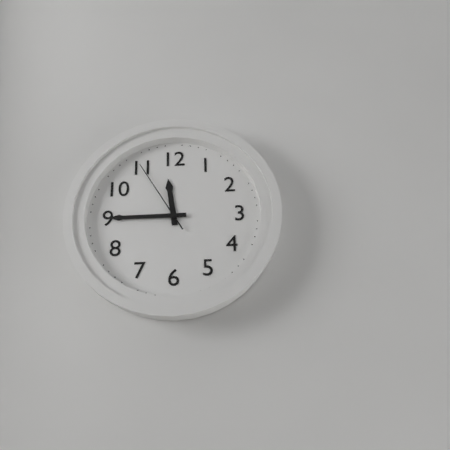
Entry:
11.45.55
